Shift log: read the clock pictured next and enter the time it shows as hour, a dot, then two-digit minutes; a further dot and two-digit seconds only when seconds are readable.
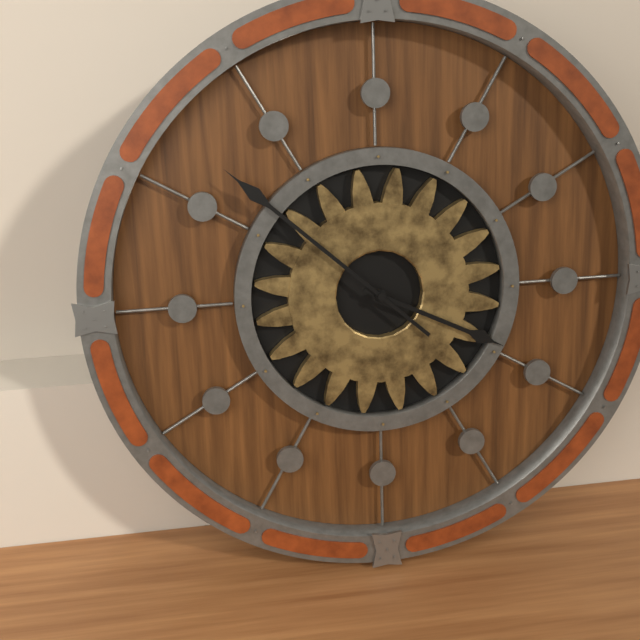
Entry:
3.52
